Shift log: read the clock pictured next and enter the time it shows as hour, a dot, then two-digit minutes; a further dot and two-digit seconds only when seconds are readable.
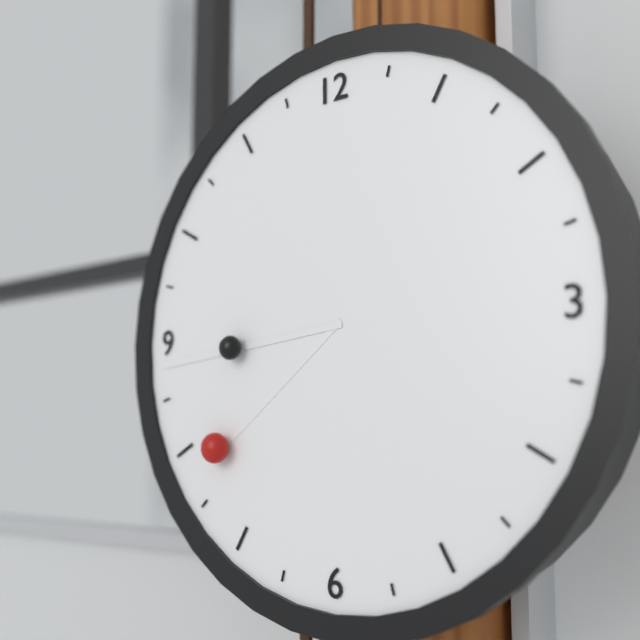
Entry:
7.44
